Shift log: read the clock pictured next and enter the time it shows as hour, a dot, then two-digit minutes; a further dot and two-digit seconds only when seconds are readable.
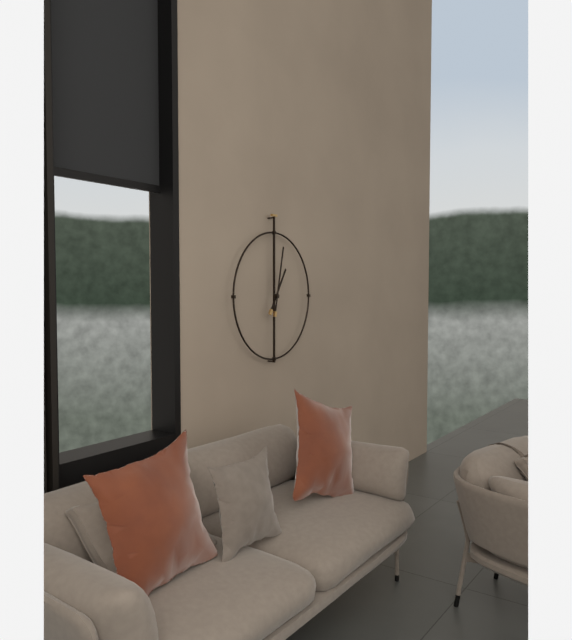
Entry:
1.02
